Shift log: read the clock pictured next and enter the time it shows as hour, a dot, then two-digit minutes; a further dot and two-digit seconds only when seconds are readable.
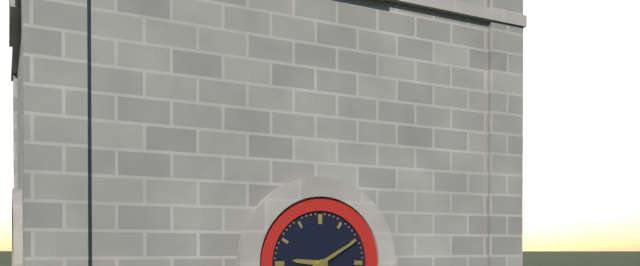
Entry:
9.10
